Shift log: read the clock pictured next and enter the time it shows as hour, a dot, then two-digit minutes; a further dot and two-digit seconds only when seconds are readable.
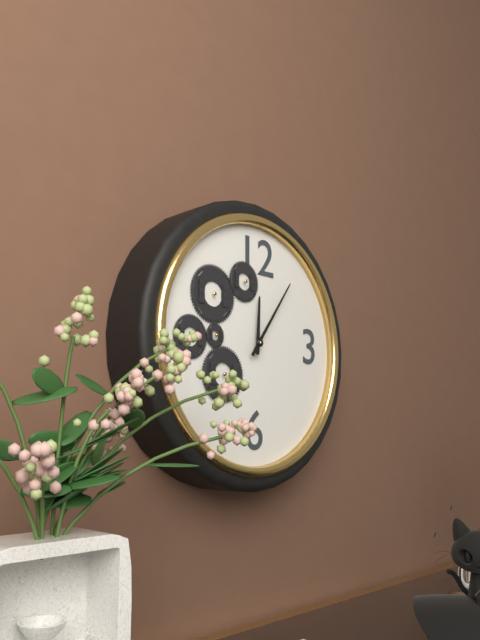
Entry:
12.06
